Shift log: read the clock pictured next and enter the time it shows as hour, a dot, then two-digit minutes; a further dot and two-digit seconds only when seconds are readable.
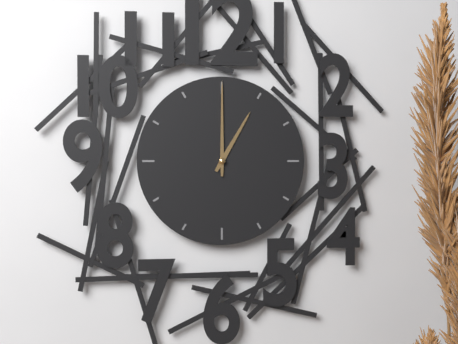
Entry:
1.00
